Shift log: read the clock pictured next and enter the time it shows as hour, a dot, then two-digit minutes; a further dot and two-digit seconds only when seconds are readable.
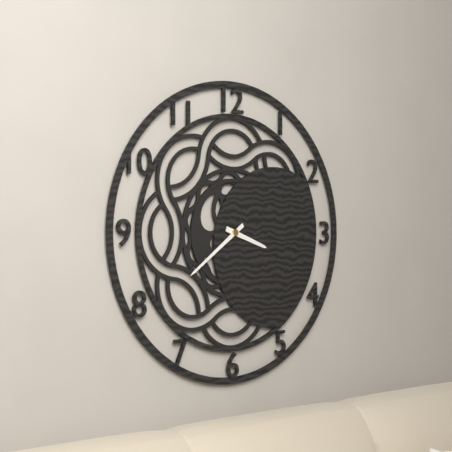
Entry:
3.39
